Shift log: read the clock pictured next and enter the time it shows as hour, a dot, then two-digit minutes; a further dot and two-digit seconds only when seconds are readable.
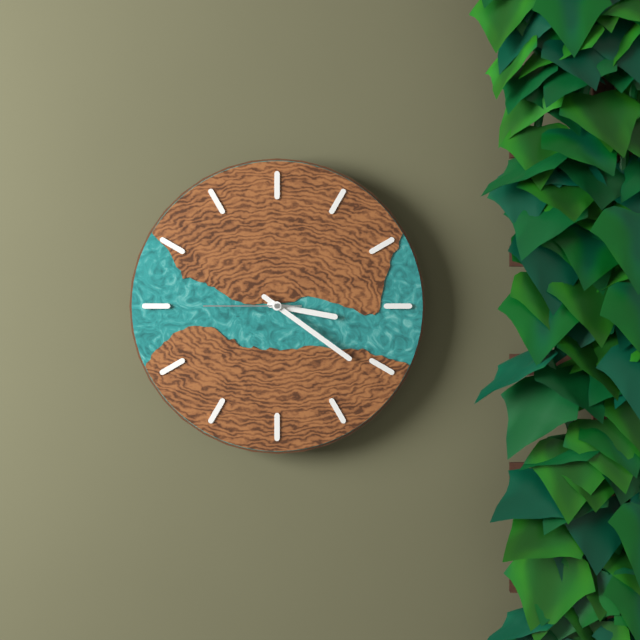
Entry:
3.21.45
